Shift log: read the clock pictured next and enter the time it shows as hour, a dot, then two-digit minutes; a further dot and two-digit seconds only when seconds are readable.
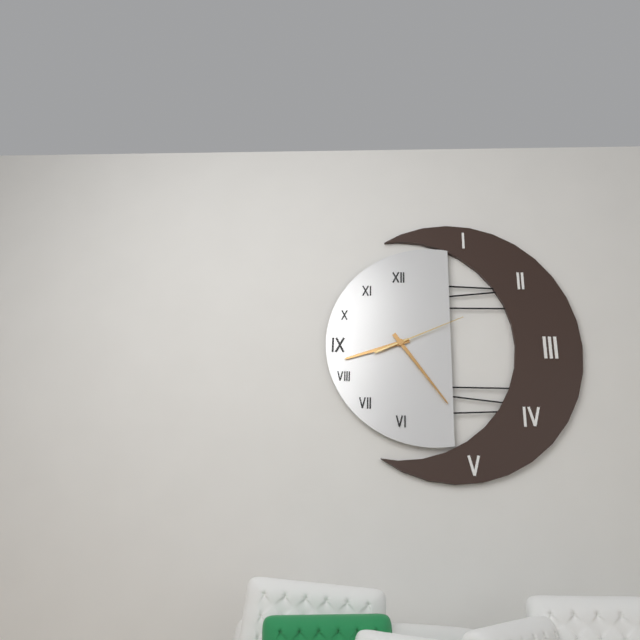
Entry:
8.24.11
